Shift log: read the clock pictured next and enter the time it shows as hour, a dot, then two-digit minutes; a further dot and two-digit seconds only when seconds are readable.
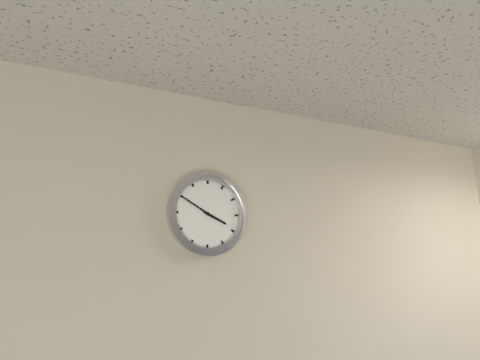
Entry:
3.50
